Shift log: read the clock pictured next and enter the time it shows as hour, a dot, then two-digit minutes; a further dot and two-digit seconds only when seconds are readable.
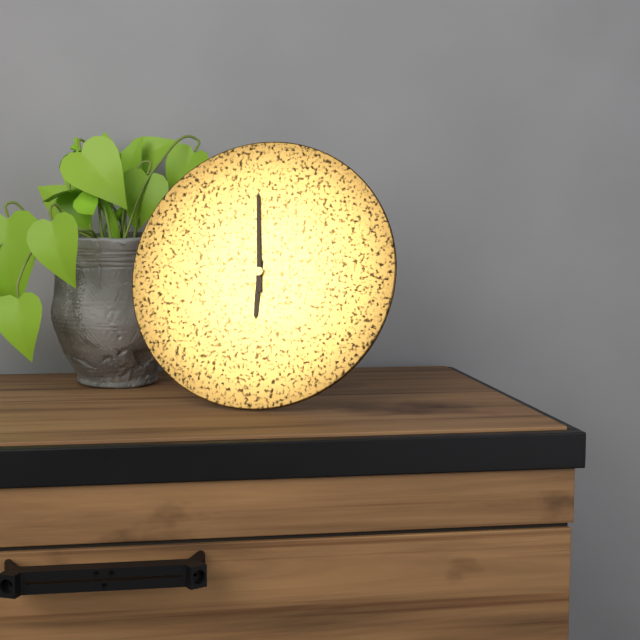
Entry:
5.59
